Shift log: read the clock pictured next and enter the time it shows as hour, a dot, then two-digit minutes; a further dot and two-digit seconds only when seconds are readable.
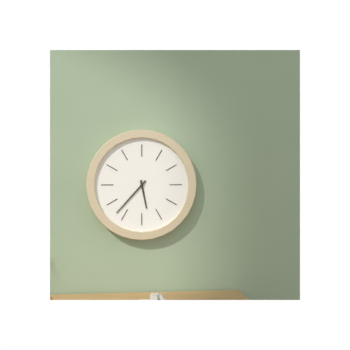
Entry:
5.37
